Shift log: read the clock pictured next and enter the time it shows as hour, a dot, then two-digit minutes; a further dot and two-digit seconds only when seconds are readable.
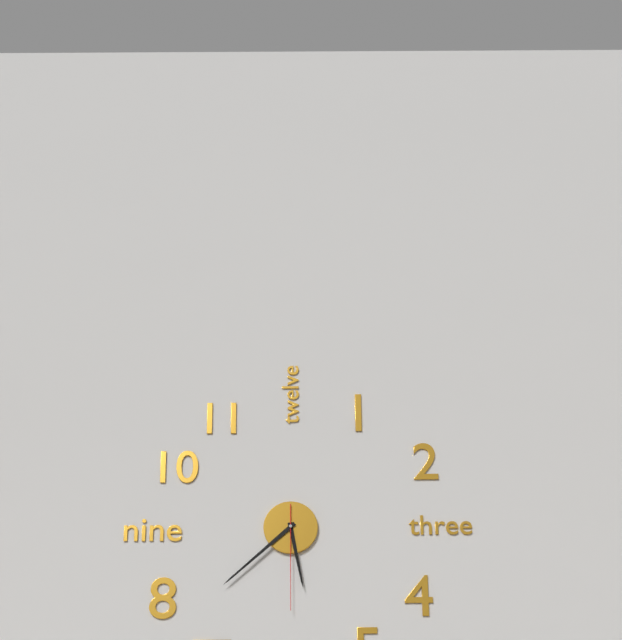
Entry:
5.38.30
